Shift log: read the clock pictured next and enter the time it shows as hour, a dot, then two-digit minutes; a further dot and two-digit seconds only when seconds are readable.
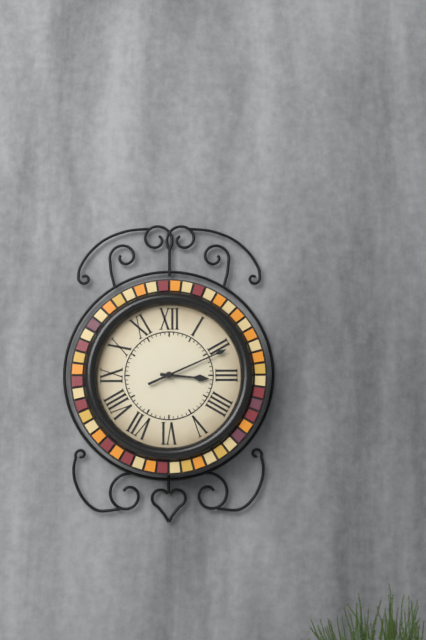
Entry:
3.11
